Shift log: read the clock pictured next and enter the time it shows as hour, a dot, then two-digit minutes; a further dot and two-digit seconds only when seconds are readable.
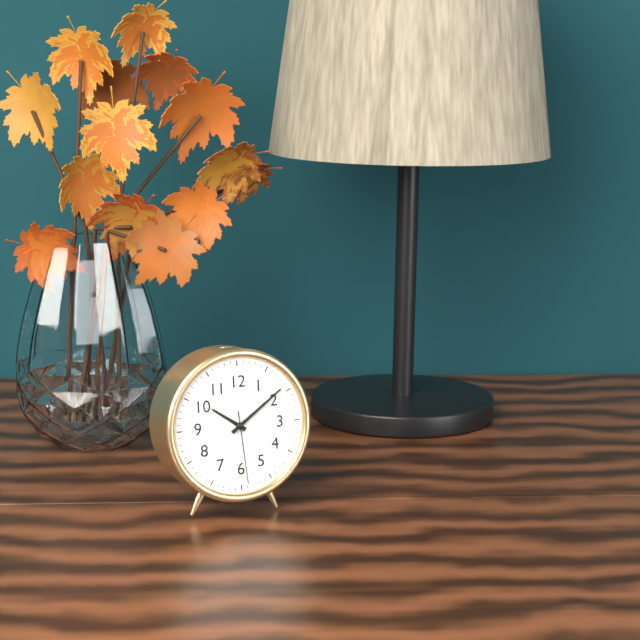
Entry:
10.09.29
